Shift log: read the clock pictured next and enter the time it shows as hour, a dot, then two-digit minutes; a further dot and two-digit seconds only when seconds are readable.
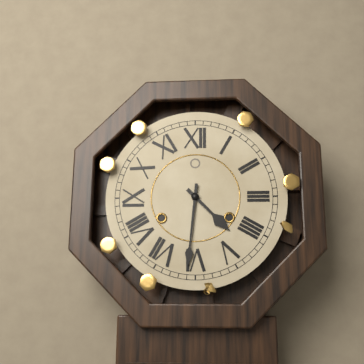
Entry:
4.31
